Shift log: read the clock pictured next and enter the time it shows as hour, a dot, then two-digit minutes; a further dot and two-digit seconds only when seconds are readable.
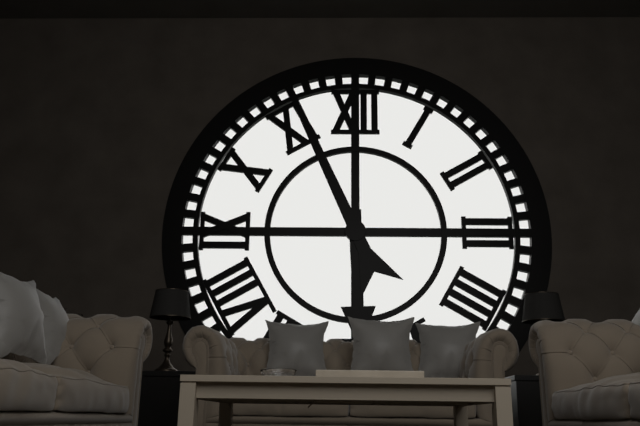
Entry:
5.56
